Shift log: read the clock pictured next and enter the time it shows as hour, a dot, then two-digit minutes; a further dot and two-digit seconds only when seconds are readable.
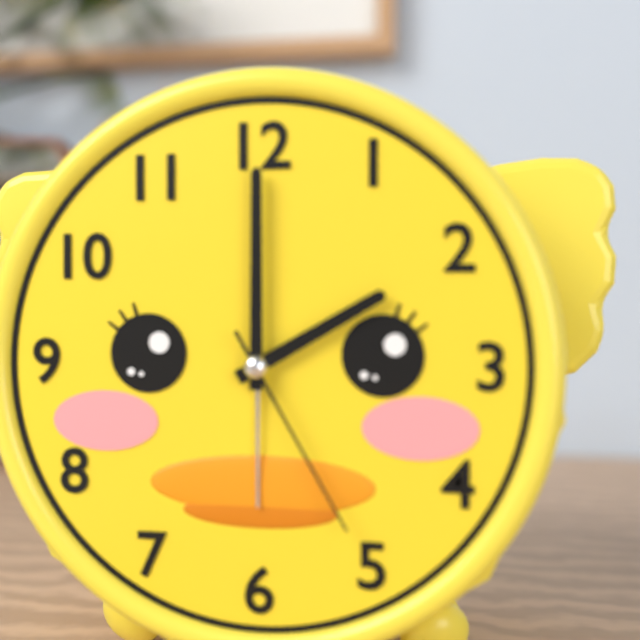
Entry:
2.00.25
